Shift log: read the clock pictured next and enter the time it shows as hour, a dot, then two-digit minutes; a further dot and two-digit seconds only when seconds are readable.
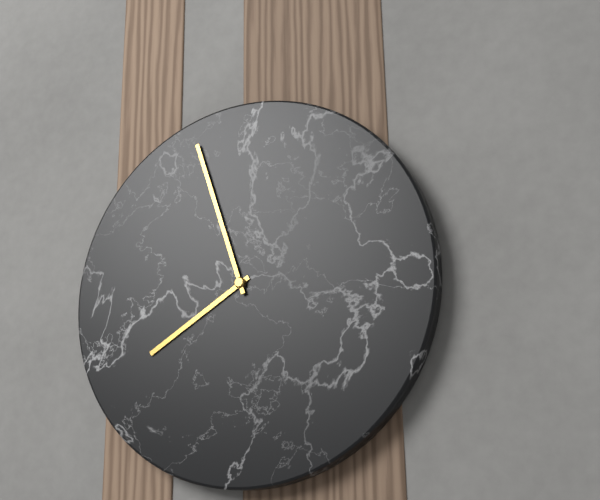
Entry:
7.57
